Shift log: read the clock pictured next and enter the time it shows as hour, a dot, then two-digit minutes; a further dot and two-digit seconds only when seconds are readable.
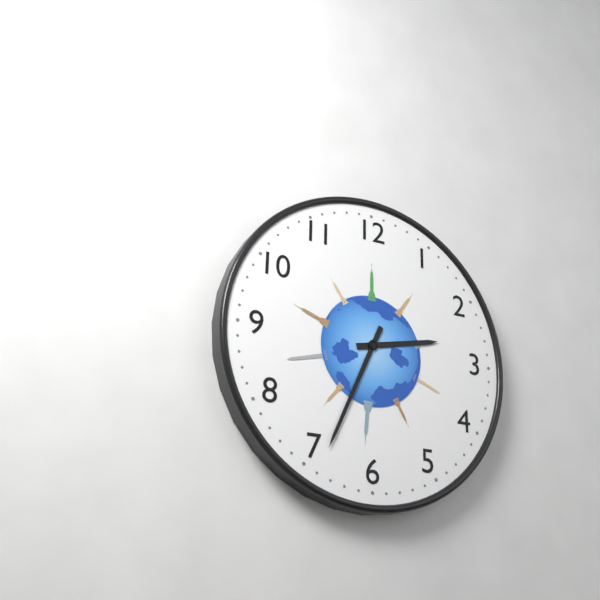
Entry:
2.34
